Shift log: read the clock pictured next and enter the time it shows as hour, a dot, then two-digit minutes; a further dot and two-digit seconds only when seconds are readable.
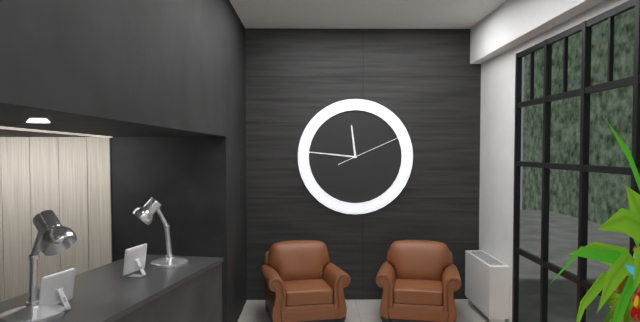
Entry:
11.46.11
